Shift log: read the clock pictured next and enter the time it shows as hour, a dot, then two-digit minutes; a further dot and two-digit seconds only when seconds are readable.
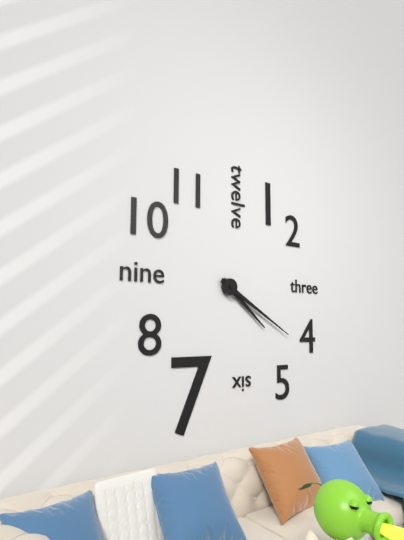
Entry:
4.20
